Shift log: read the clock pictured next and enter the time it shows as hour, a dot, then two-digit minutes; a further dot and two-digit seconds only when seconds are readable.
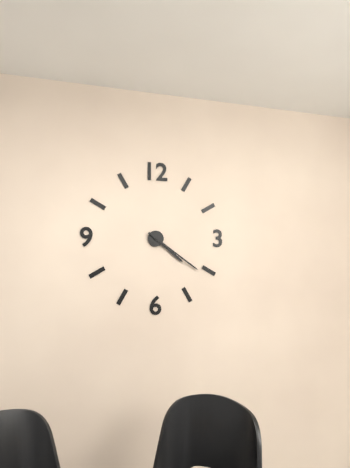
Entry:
4.21
